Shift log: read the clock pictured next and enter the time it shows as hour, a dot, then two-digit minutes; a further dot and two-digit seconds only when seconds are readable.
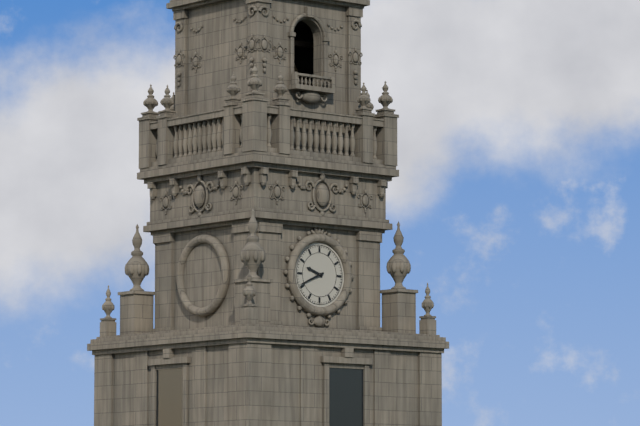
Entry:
9.41
